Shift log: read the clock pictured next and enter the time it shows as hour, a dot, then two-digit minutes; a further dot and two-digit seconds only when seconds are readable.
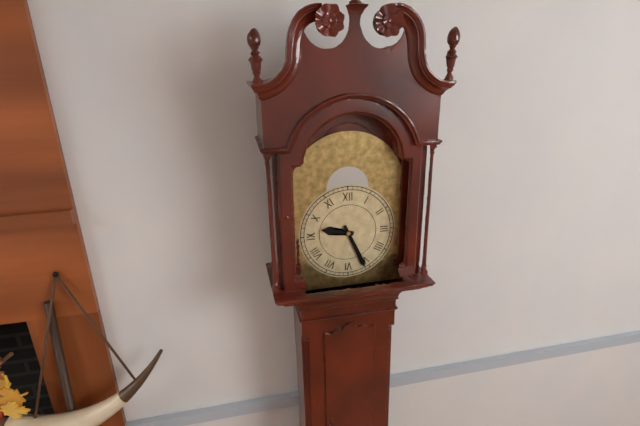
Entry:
9.26
